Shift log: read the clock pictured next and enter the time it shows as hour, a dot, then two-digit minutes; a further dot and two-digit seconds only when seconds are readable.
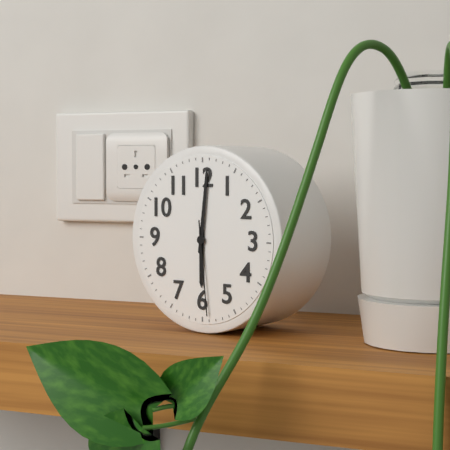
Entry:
6.01.29
